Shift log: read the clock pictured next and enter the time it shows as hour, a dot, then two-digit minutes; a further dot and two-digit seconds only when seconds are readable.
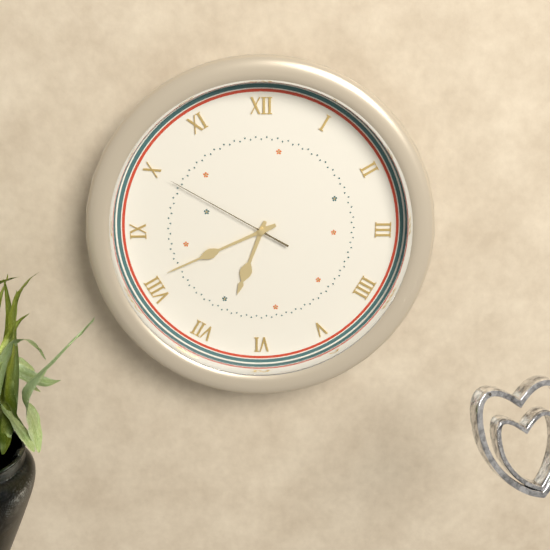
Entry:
6.41.50
